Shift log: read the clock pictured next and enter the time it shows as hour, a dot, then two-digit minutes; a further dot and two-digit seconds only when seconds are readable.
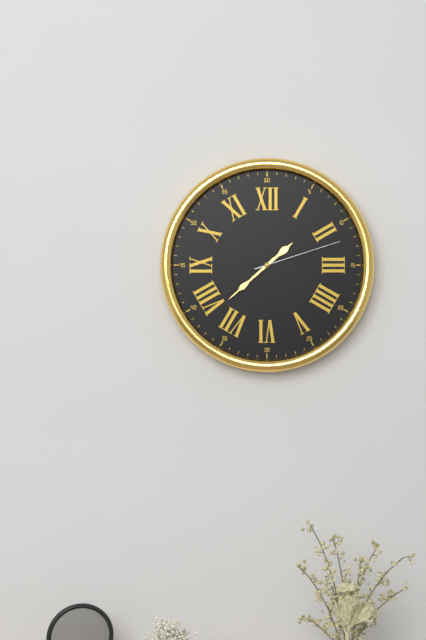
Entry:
1.38.12
